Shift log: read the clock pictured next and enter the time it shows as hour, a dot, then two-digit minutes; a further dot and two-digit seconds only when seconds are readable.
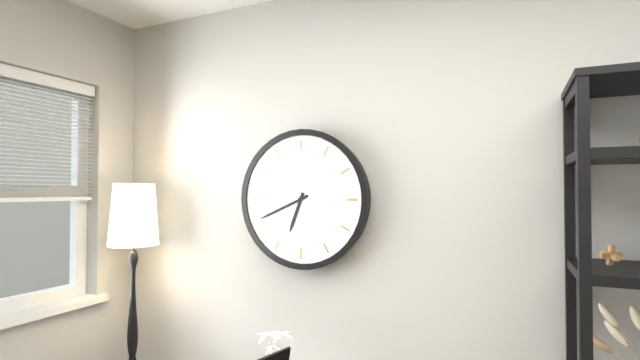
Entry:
6.41
